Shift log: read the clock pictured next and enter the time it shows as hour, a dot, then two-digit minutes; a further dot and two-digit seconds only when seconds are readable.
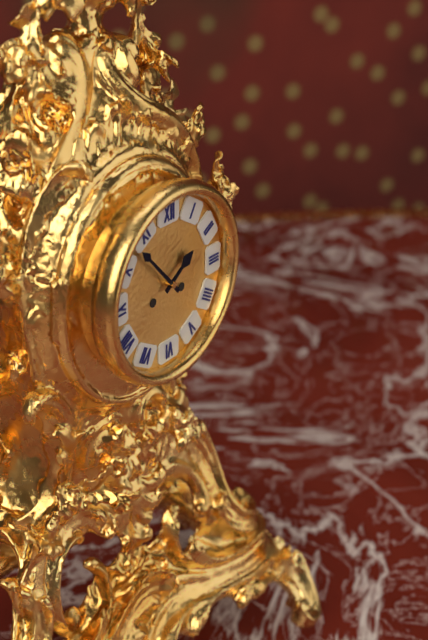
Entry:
1.53
